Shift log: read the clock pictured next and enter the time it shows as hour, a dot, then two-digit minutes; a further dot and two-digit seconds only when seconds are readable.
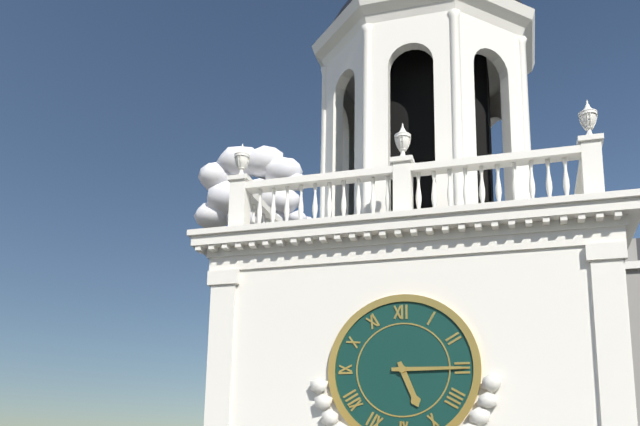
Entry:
5.15
